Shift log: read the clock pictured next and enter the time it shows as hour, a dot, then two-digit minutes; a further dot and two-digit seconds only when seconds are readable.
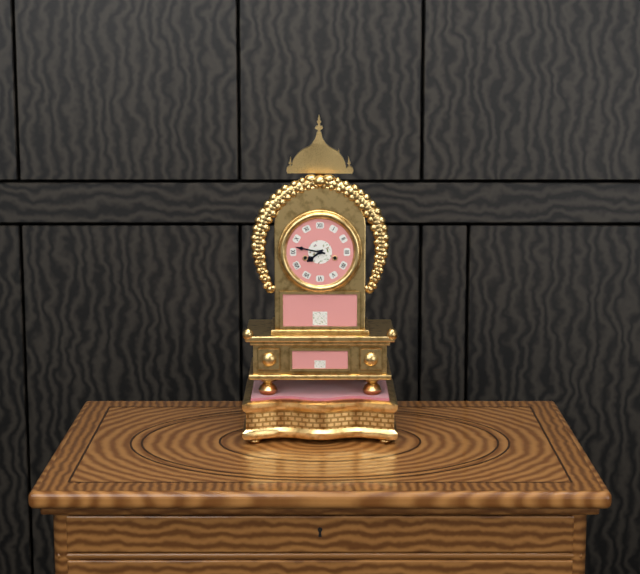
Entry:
7.47
